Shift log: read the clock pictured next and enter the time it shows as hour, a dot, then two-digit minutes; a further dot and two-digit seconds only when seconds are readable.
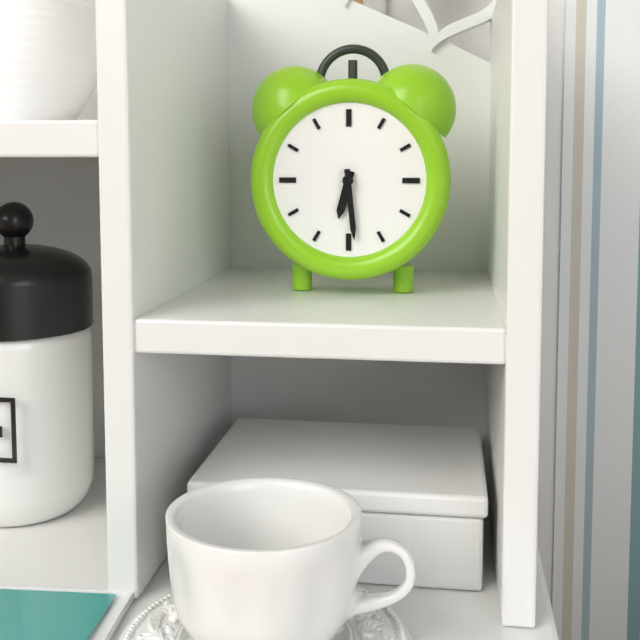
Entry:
6.29
